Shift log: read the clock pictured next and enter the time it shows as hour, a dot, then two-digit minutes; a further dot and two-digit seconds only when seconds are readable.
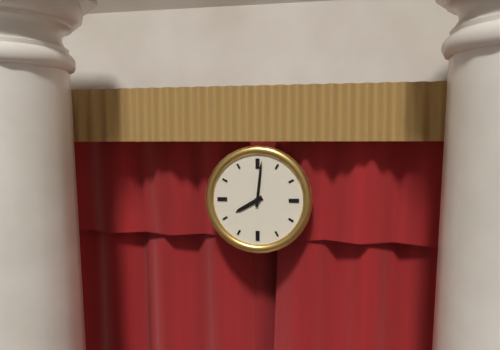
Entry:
8.01
